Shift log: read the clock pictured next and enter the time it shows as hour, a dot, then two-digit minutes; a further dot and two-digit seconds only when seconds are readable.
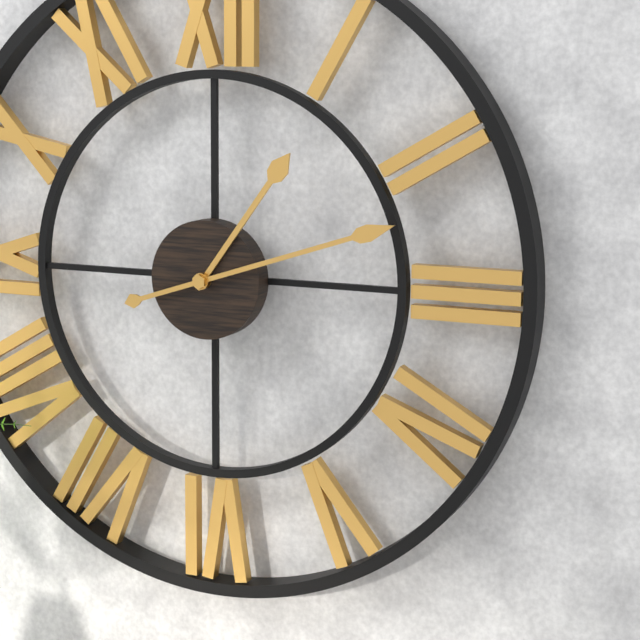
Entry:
1.12
